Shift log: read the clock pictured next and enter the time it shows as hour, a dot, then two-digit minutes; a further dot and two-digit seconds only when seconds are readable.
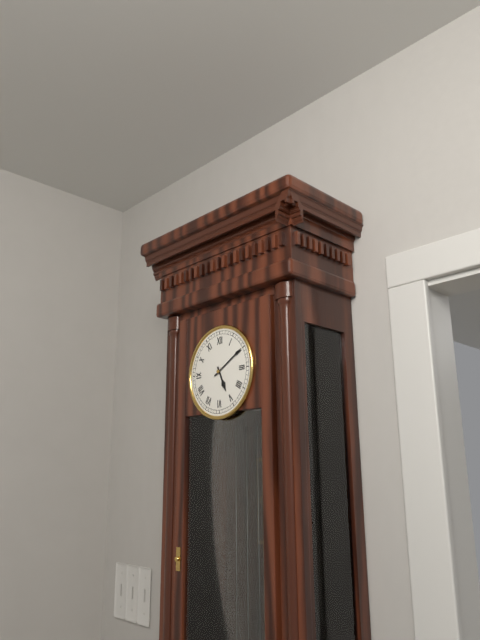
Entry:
5.10
